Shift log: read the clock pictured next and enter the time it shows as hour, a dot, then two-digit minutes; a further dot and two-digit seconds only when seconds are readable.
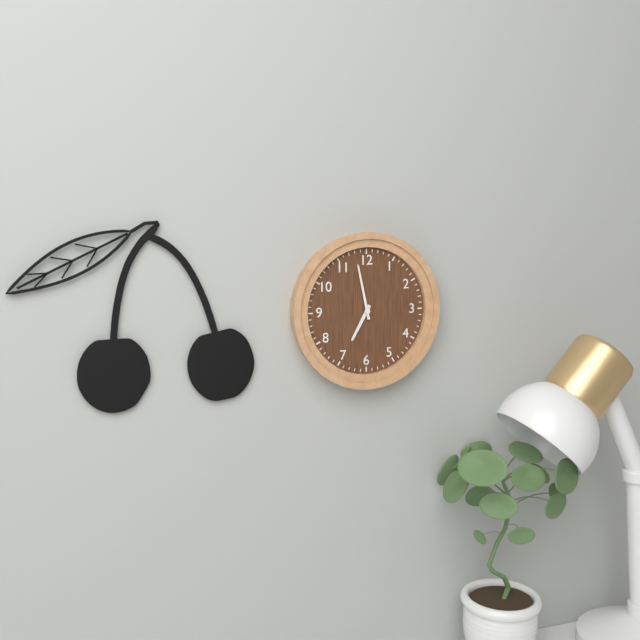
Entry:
6.58
